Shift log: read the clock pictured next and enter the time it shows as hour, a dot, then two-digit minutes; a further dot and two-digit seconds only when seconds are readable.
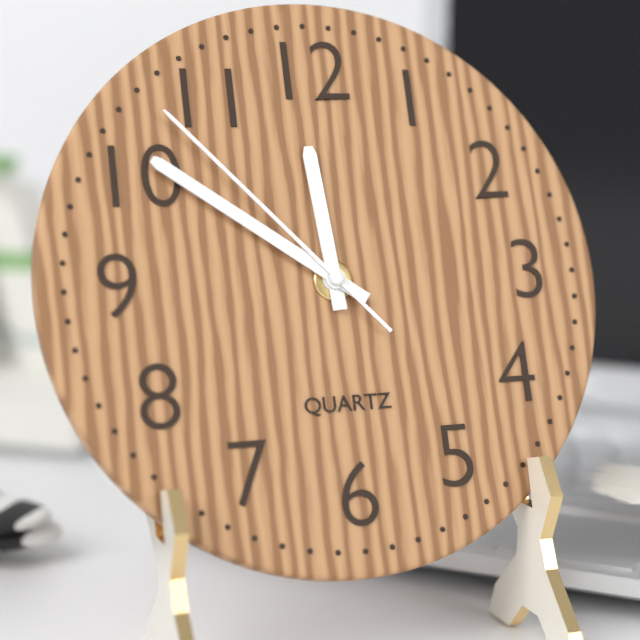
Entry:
11.51.53
